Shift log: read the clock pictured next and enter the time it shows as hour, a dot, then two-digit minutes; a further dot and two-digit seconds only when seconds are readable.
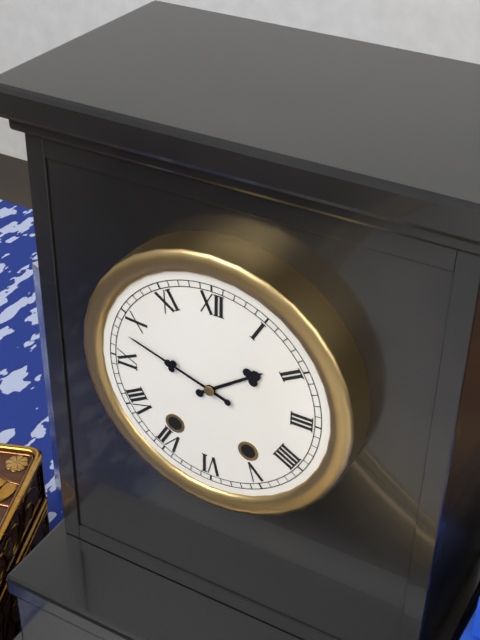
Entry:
1.48
